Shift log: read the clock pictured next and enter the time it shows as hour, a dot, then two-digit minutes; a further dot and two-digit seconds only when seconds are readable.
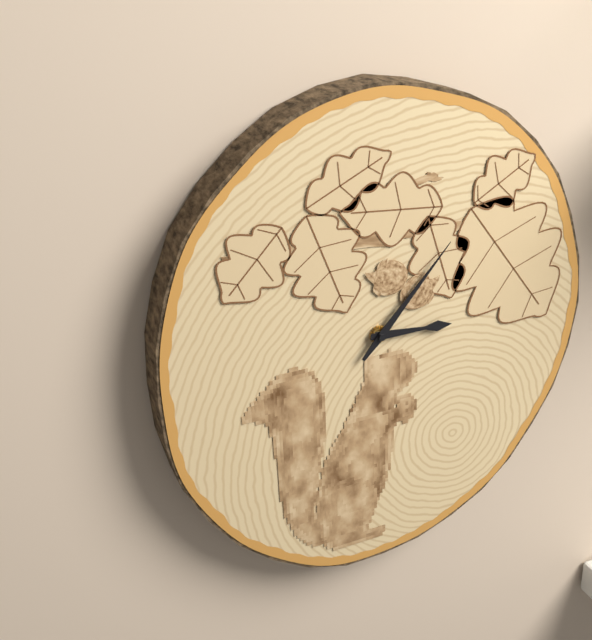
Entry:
3.07
